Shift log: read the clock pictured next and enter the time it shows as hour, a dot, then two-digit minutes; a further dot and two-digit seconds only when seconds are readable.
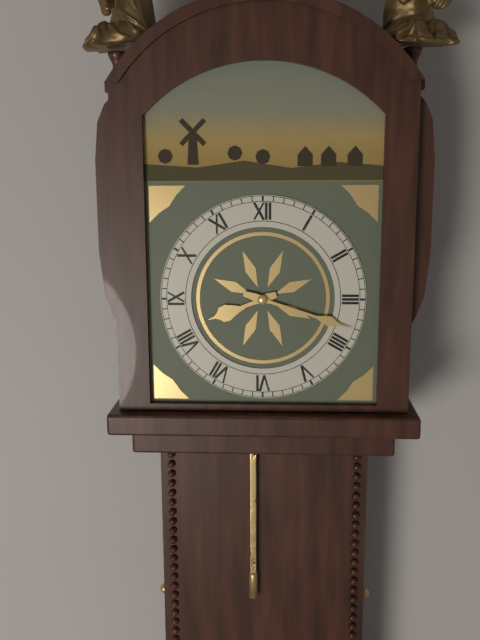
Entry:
8.18
